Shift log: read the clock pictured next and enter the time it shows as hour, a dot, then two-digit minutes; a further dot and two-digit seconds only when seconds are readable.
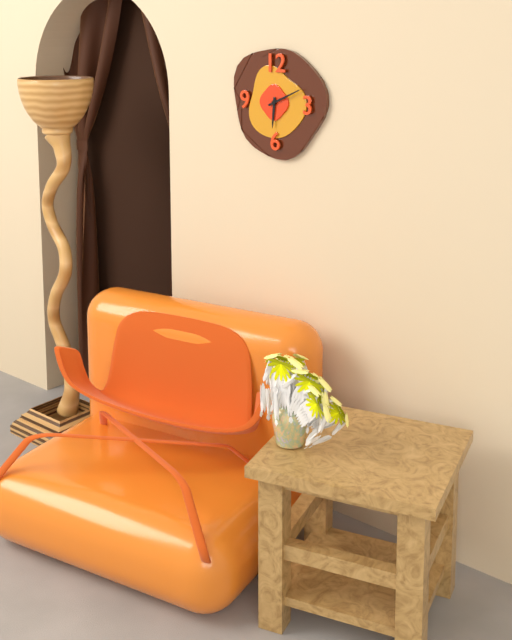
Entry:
6.11
